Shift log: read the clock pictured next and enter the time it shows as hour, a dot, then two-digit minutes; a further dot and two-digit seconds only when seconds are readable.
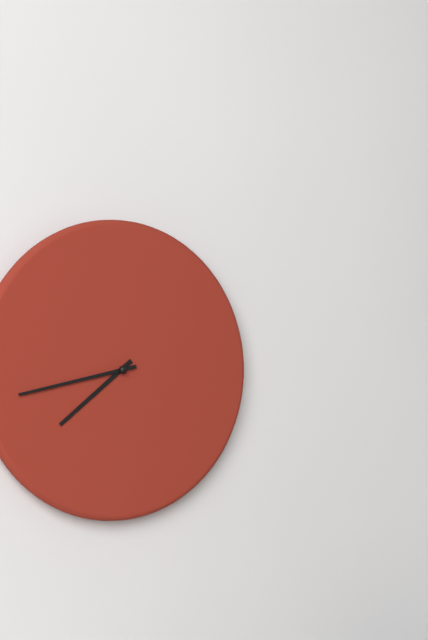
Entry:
7.43
